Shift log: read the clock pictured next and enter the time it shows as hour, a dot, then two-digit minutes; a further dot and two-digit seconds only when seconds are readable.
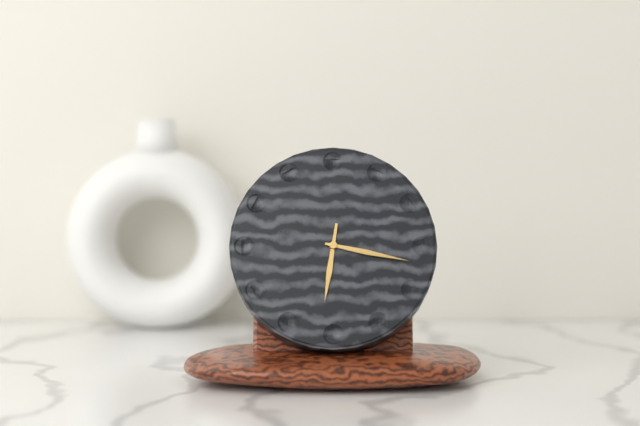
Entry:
6.17
